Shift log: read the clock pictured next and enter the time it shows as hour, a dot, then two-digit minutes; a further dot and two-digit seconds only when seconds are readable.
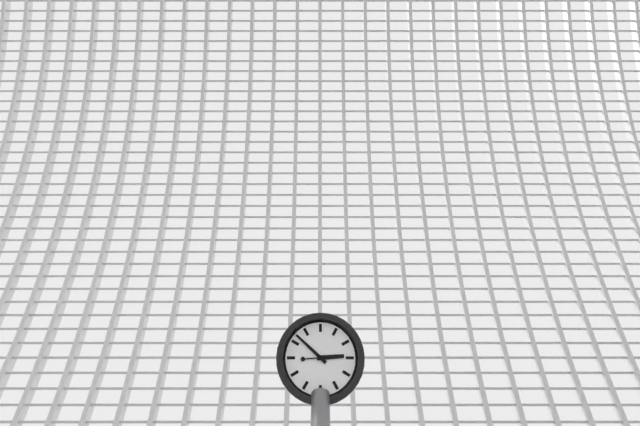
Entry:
2.52
